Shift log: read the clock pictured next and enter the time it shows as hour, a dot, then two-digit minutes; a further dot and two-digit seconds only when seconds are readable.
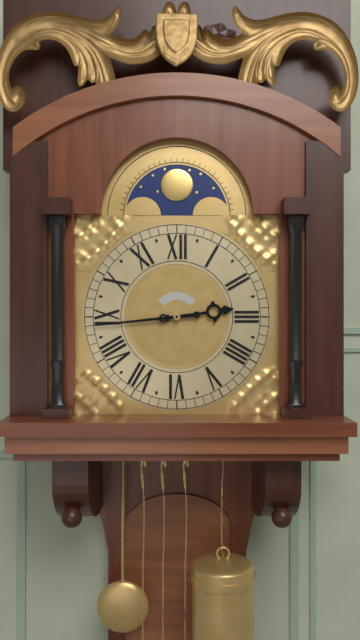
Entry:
2.44
